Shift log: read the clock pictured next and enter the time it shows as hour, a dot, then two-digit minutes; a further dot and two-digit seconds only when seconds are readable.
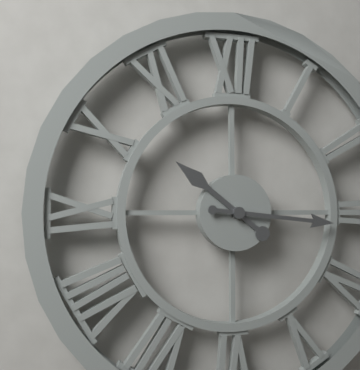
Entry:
10.16
